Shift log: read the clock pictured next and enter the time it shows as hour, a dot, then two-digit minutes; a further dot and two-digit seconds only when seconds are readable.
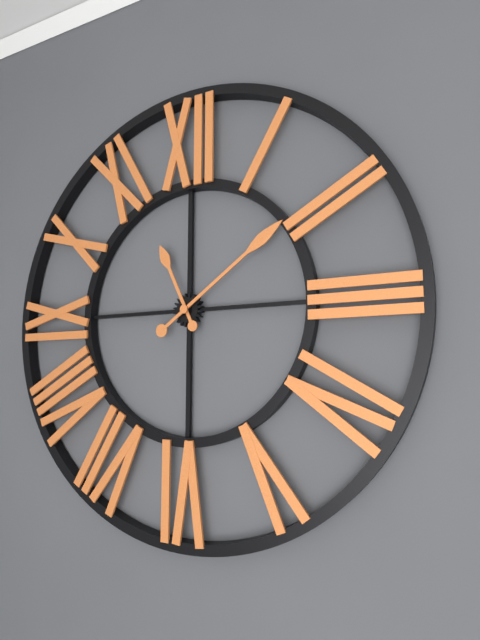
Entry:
11.09
